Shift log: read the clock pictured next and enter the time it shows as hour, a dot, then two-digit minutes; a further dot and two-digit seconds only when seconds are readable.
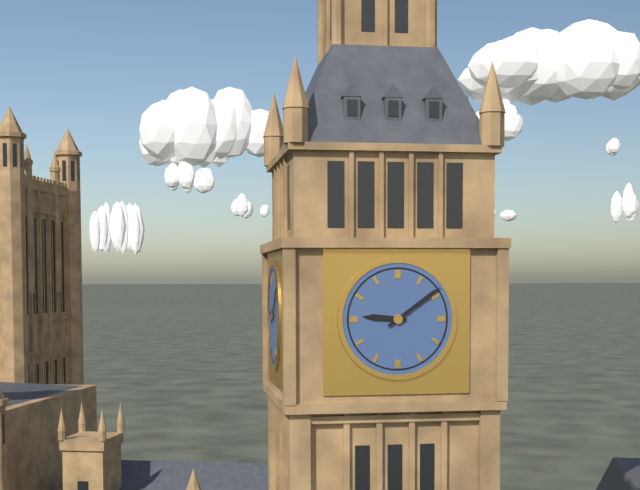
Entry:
9.09
